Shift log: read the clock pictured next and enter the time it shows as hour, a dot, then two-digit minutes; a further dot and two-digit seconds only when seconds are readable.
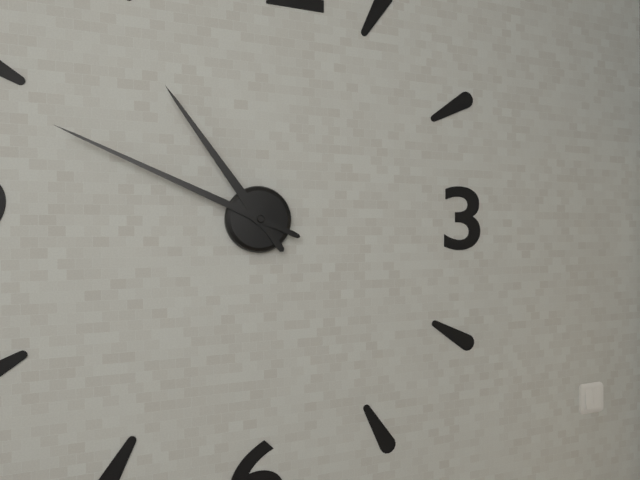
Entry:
10.49
